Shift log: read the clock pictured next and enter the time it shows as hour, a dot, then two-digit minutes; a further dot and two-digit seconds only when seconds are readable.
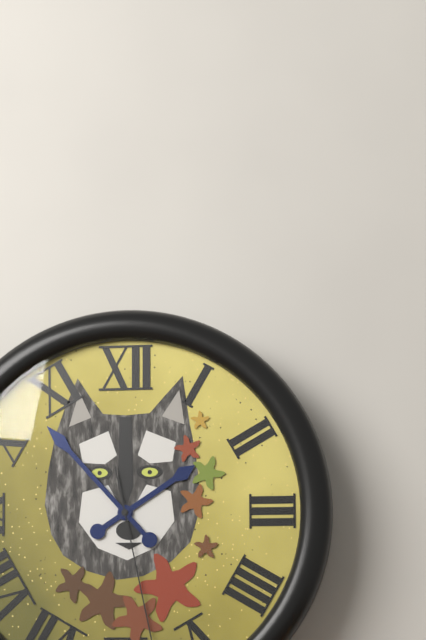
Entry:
1.53
